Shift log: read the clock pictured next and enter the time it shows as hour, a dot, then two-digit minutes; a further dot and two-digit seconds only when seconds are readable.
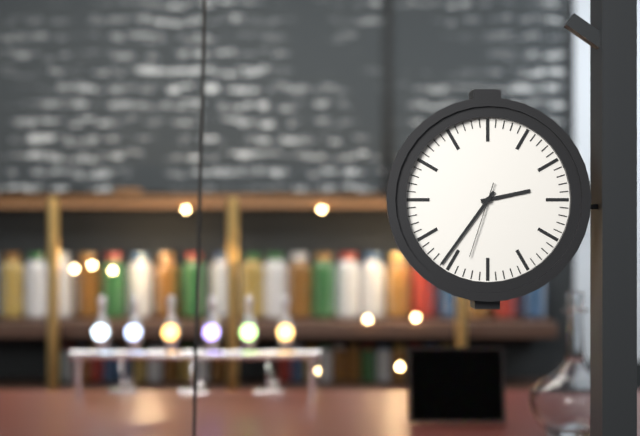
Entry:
2.36.33
